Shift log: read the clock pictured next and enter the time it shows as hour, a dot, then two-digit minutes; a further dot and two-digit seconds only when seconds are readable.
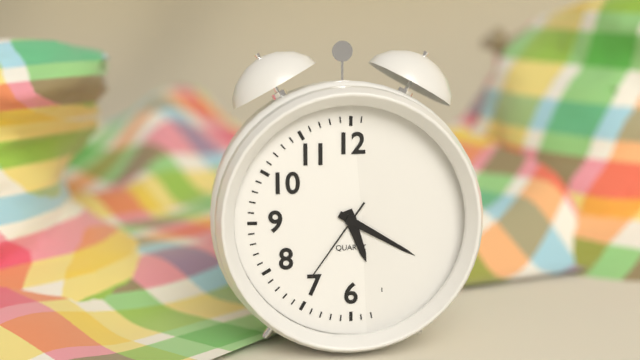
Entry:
5.20.36
